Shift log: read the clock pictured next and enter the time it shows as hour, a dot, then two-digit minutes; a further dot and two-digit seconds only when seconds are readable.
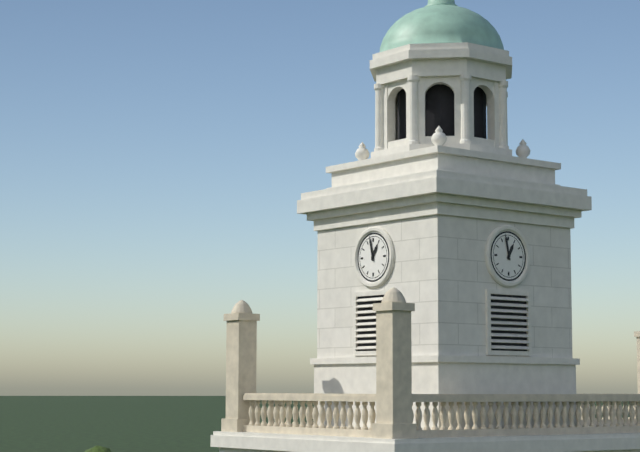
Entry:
12.58
